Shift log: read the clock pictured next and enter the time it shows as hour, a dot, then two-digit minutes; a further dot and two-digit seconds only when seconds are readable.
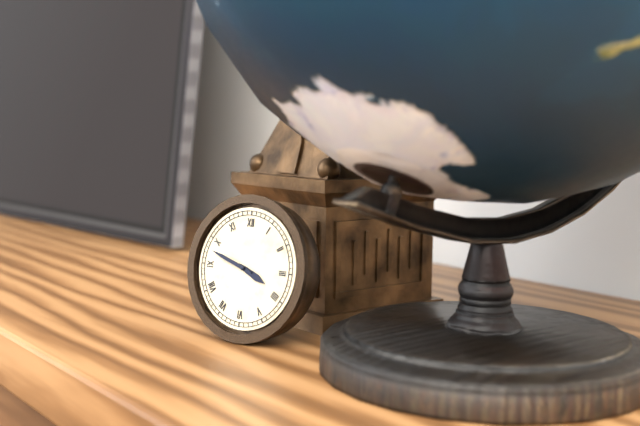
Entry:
3.48
